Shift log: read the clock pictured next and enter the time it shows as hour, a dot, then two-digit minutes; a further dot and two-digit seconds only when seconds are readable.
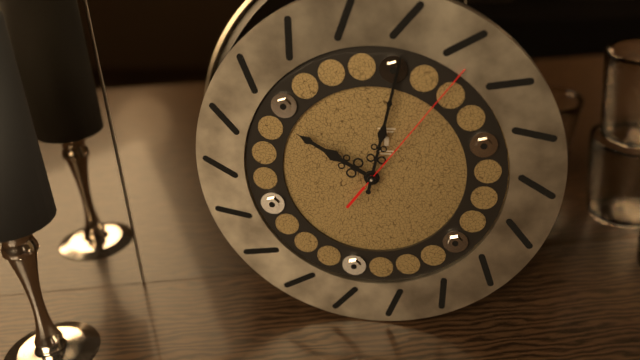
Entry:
10.02.06
